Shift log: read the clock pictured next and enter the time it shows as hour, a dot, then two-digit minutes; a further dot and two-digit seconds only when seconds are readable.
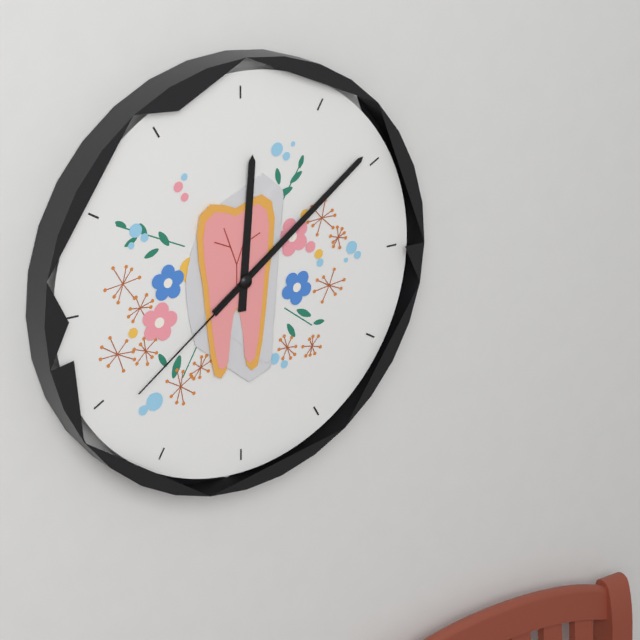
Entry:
12.09.39
